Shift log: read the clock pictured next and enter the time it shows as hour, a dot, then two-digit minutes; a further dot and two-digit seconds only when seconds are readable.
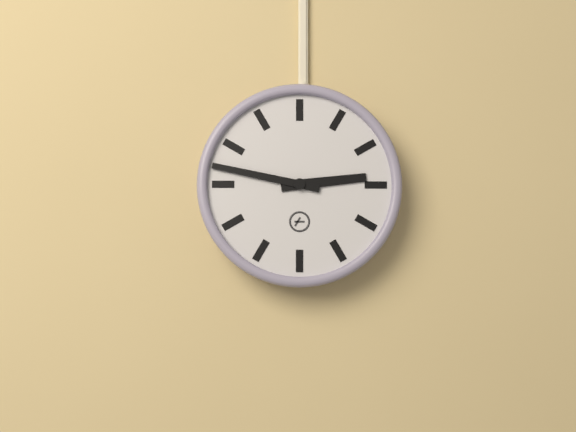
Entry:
2.47
